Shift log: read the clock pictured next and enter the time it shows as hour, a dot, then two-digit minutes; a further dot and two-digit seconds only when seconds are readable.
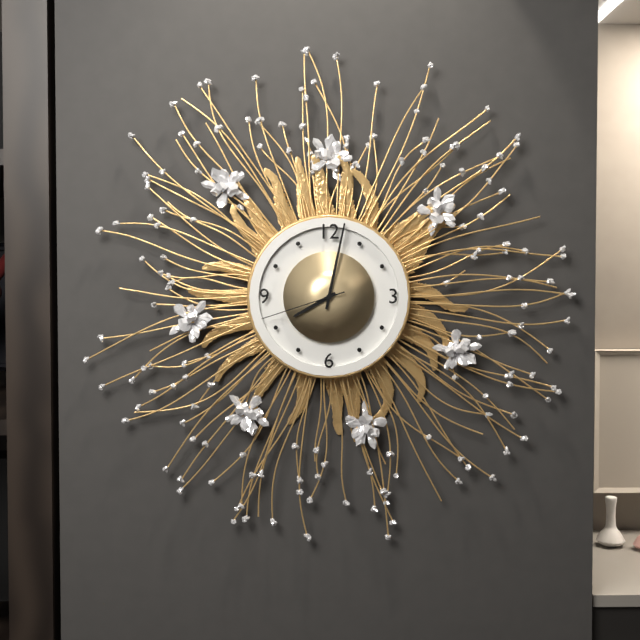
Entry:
8.02.42
